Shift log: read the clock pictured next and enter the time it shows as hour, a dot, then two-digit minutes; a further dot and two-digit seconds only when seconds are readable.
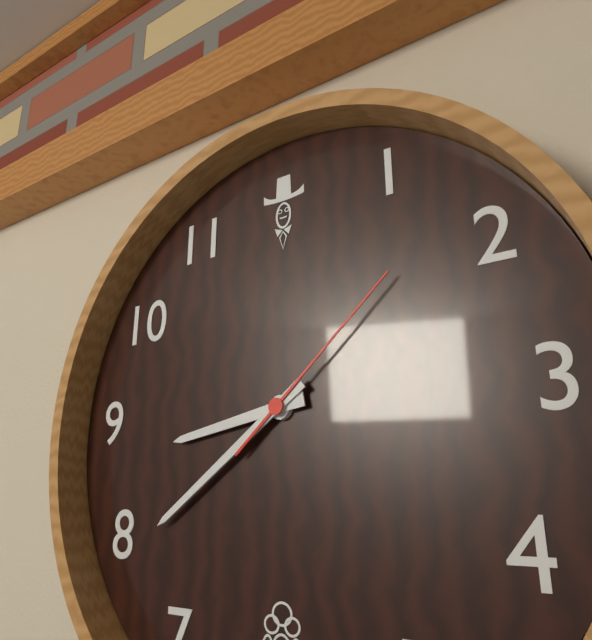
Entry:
8.39.08
